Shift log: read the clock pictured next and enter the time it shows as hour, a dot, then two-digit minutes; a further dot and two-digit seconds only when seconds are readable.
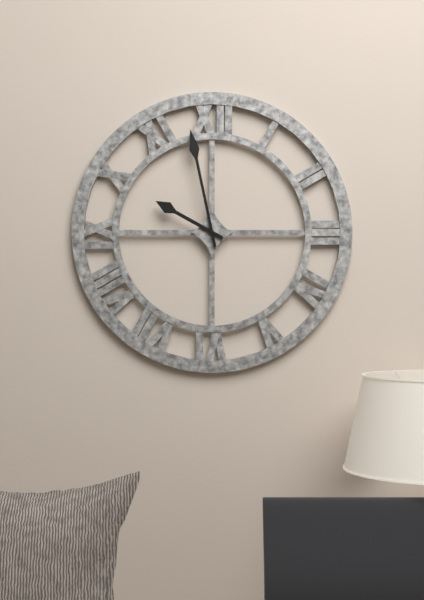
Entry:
9.58
